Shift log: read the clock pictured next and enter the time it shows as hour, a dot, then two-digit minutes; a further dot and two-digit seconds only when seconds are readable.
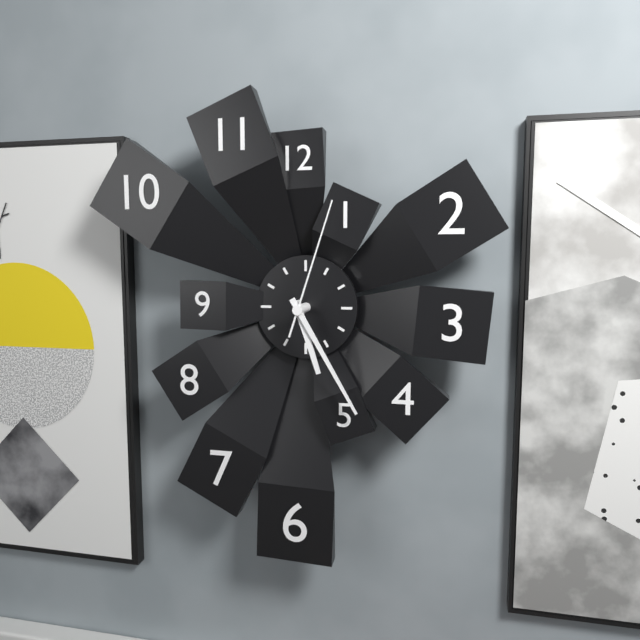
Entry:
5.25.03
